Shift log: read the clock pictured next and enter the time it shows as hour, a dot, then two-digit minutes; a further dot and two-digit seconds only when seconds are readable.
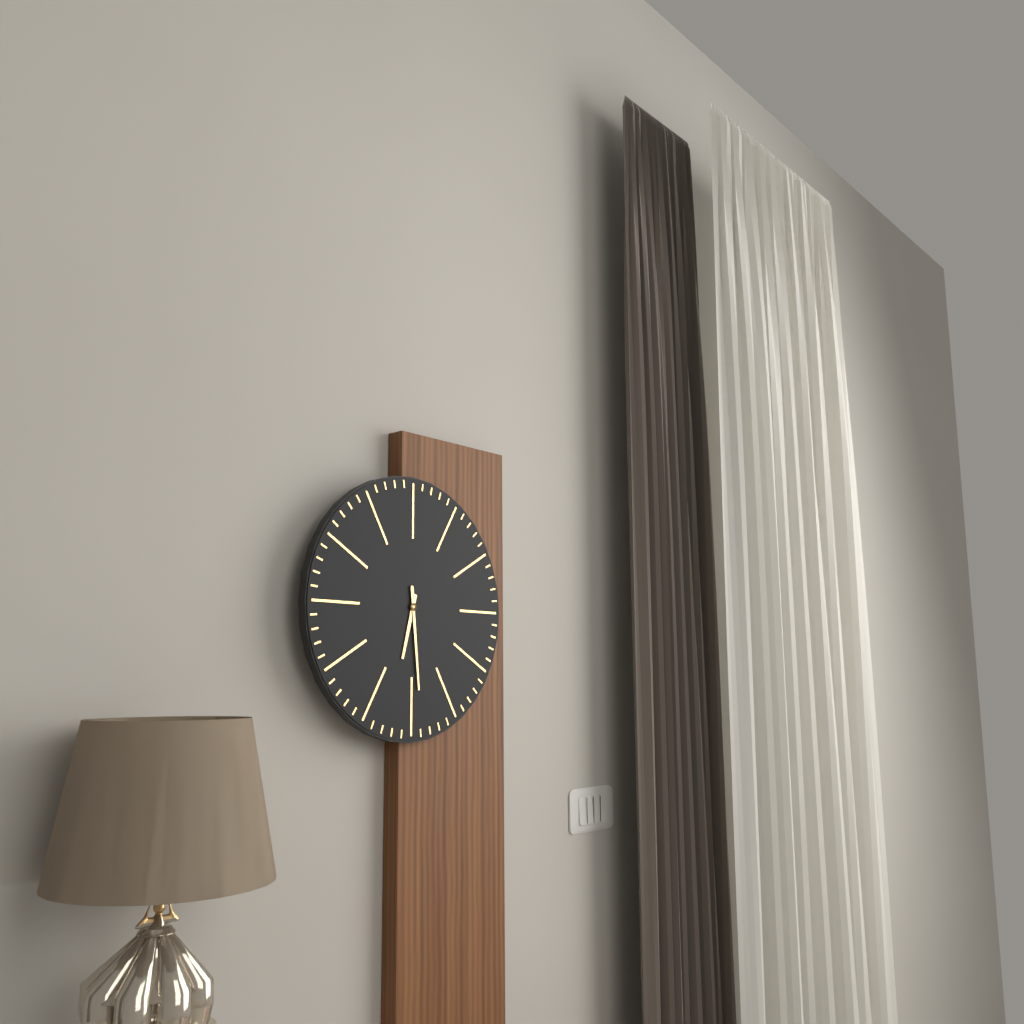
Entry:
6.29
